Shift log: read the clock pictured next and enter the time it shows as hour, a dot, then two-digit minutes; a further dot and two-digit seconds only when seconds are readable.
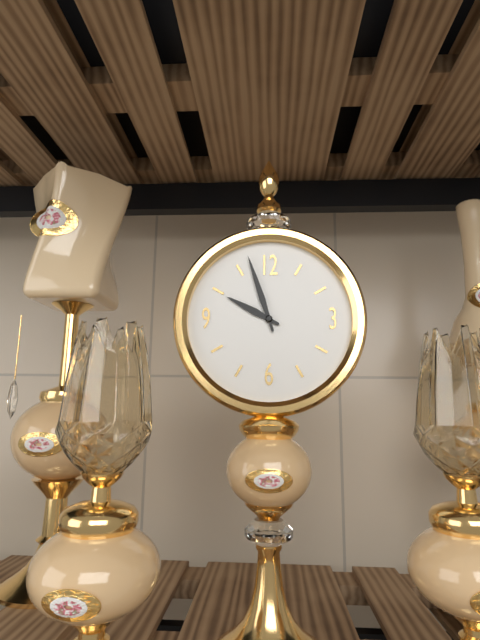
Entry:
9.57
